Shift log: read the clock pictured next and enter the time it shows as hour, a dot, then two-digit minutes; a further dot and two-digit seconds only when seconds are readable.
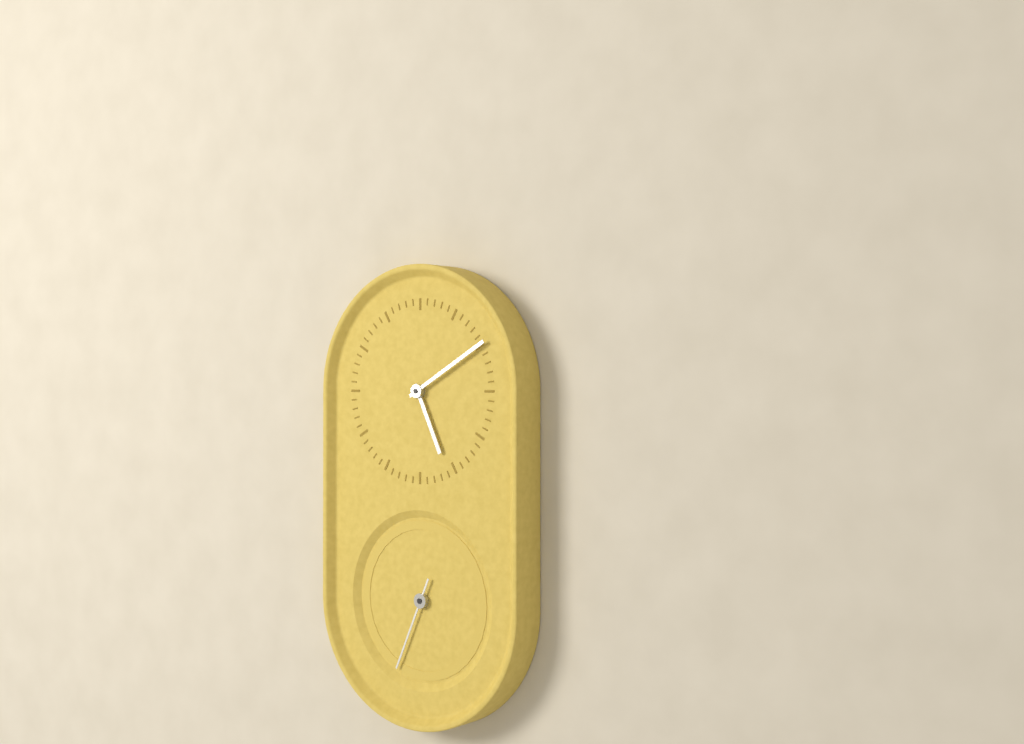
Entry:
5.10.34
